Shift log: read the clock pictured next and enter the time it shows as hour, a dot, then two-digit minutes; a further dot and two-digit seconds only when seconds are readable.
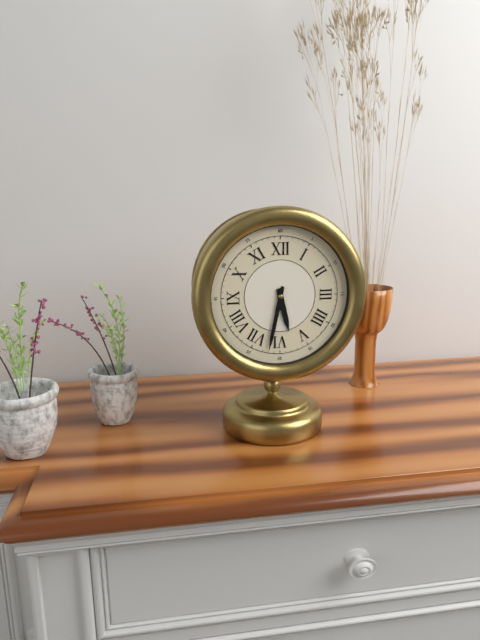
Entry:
5.32
